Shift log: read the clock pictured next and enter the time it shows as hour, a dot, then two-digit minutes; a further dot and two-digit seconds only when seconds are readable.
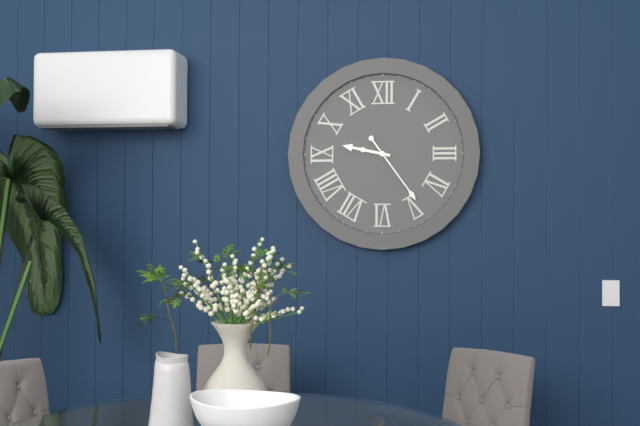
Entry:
9.24
